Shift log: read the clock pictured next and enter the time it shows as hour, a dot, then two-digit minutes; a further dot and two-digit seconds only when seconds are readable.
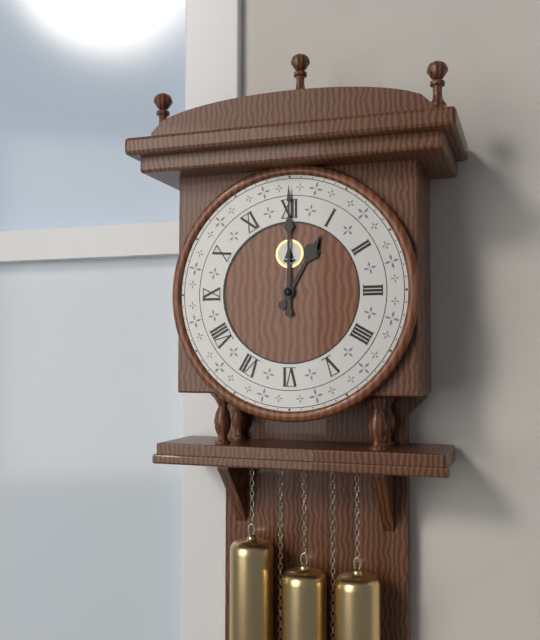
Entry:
1.00
